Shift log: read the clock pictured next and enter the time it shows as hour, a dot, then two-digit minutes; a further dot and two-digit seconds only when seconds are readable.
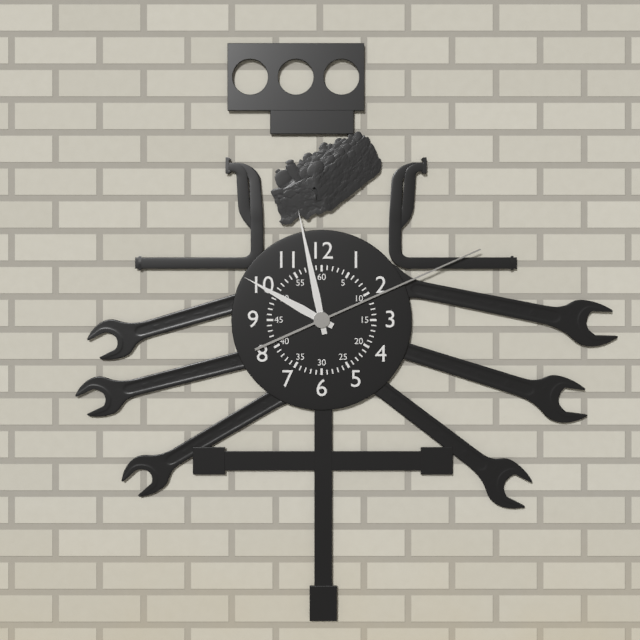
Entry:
9.58.11
